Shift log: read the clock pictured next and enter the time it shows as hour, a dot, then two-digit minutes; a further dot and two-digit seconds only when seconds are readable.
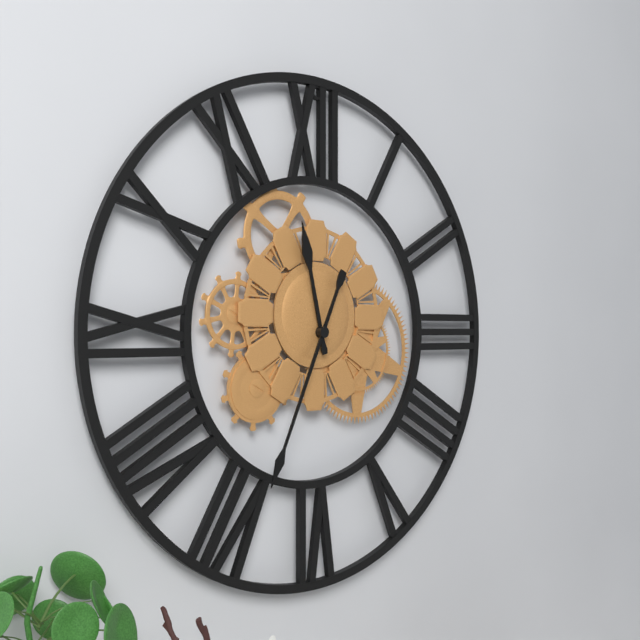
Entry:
11.34
